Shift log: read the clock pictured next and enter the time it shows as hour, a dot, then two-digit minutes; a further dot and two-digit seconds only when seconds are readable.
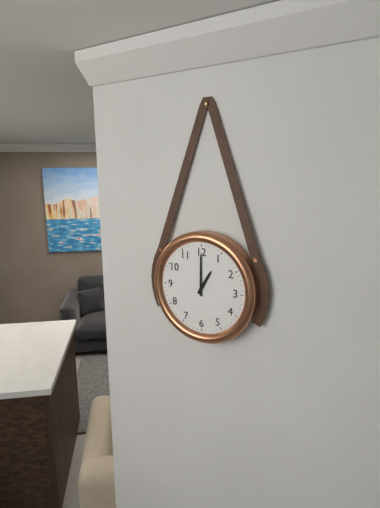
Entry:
1.00
